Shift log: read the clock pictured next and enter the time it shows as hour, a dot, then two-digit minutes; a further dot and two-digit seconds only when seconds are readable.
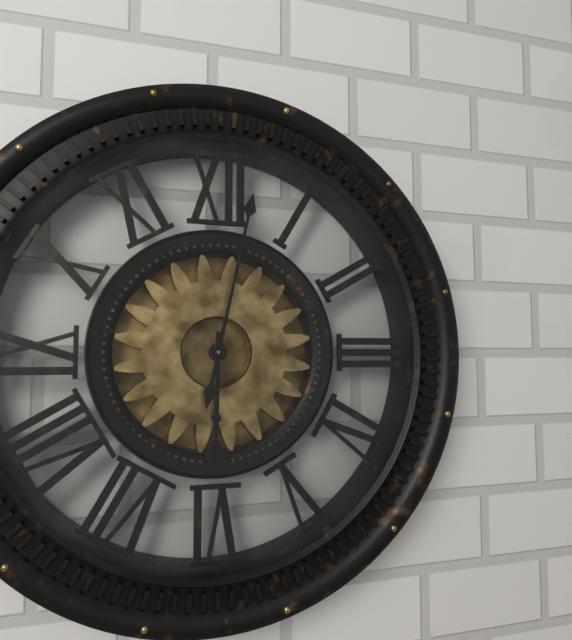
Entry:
6.02
